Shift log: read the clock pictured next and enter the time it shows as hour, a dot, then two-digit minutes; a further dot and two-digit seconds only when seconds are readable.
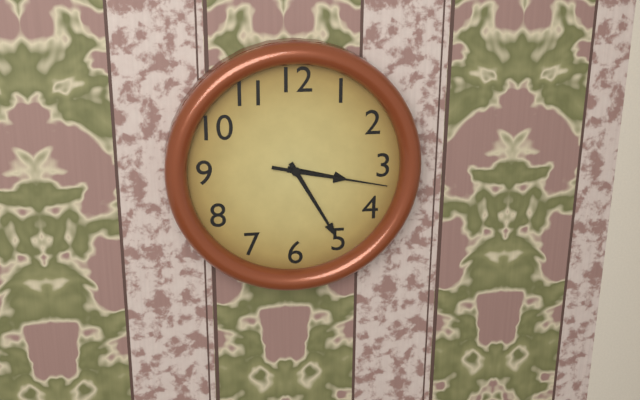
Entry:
3.25.17
